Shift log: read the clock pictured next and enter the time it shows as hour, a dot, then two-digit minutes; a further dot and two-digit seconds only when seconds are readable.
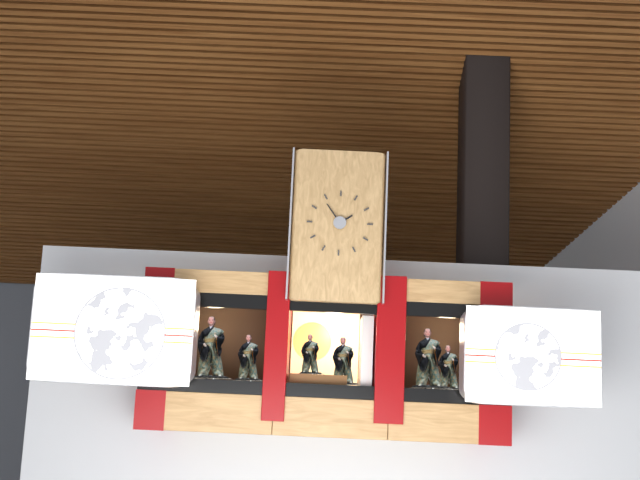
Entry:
1.54
